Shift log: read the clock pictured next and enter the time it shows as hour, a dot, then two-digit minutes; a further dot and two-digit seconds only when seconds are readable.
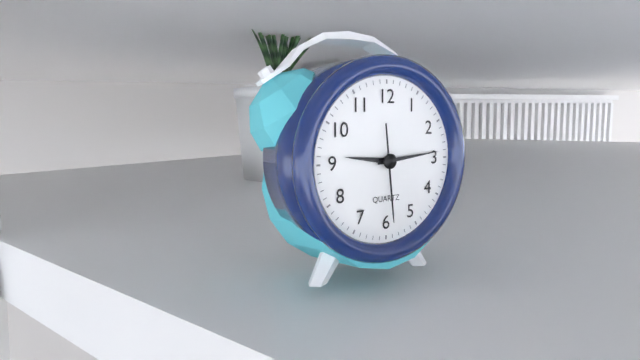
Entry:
9.14.29
